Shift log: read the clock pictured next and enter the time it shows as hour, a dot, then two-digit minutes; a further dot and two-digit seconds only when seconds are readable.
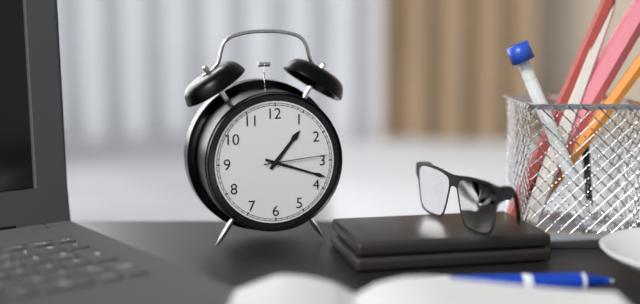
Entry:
1.18.14
